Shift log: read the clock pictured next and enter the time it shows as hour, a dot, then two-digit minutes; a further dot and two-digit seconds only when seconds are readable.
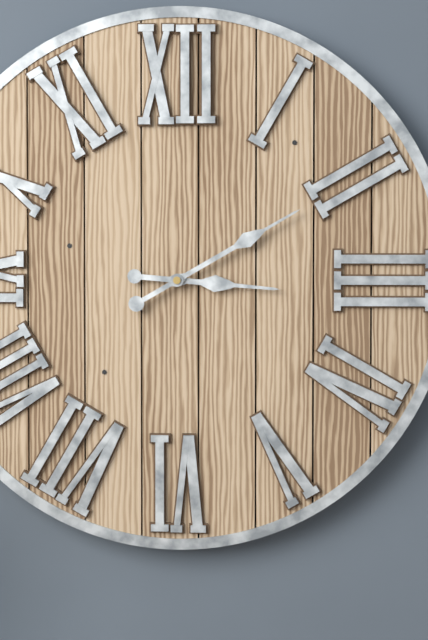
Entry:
3.10
